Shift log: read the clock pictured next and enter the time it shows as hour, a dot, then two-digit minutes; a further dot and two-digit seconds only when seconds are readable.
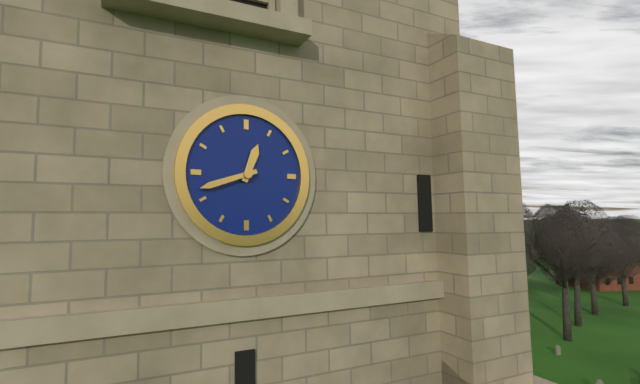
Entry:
12.42
